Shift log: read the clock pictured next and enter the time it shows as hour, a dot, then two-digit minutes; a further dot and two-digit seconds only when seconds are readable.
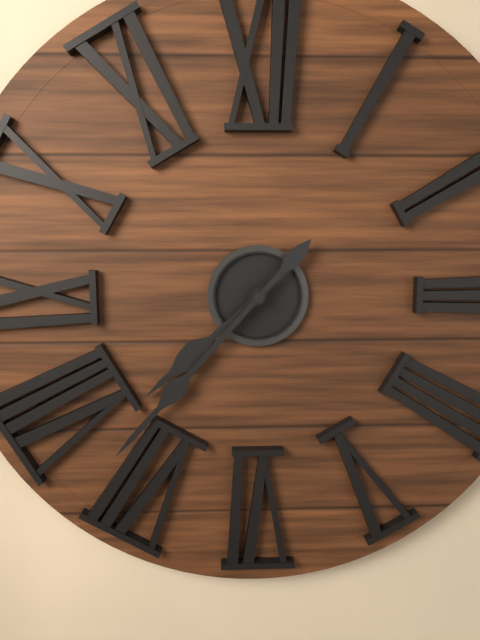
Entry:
7.37
